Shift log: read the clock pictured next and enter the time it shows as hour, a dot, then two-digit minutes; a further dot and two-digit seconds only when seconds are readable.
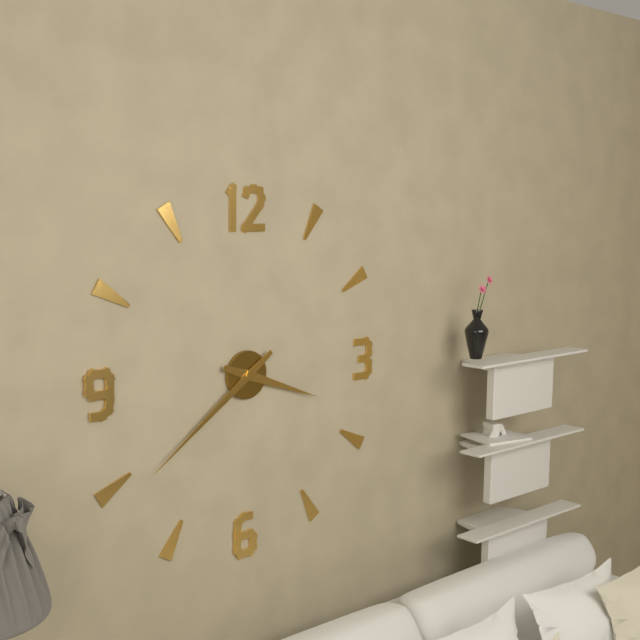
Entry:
3.39
